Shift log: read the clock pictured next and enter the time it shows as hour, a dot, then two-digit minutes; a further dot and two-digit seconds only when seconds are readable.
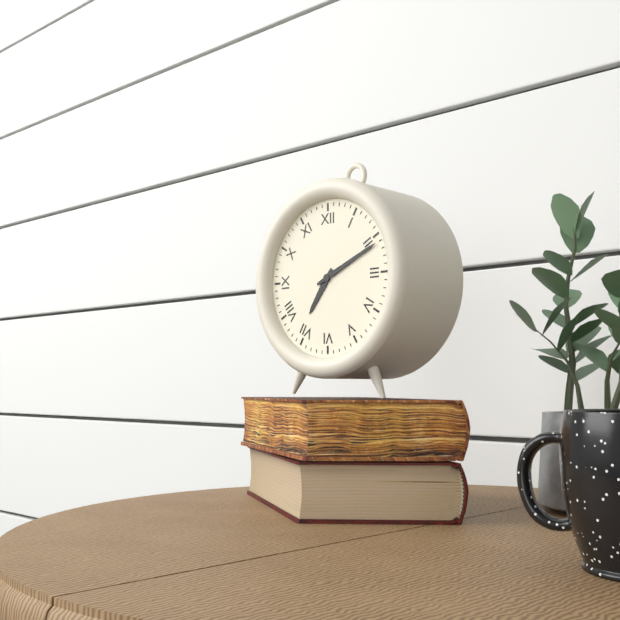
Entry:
7.11
